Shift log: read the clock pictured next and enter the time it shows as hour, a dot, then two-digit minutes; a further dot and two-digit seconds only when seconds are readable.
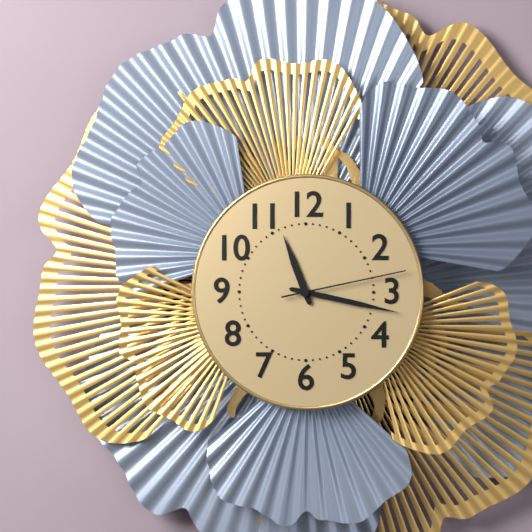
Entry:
11.17.13
